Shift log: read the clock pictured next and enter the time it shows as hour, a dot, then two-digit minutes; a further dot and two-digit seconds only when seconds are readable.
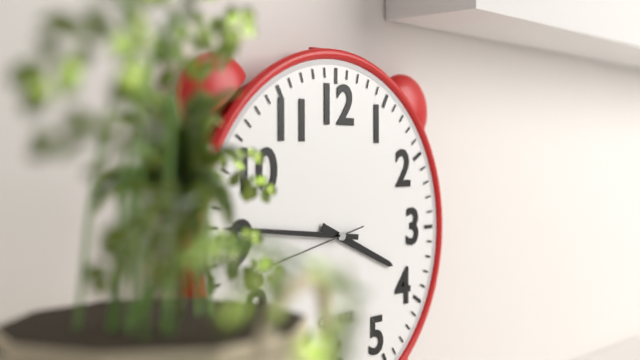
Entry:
3.46
